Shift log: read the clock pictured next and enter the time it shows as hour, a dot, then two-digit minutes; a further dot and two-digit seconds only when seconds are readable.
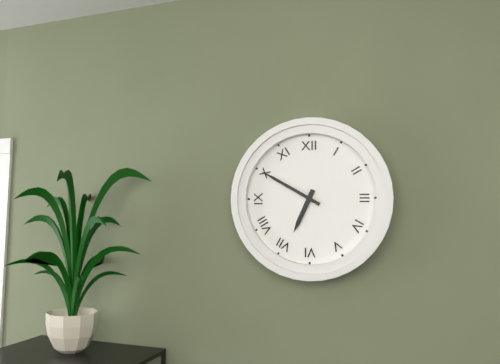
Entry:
6.50
